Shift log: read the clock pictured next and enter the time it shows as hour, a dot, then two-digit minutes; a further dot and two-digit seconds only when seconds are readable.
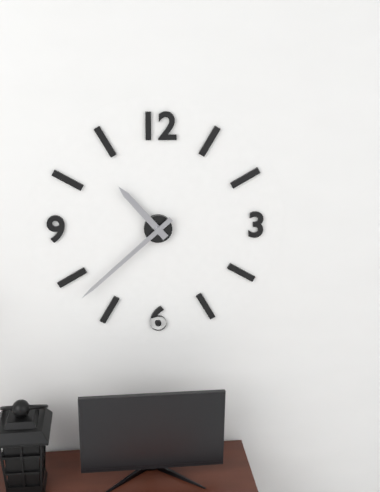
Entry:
10.38
